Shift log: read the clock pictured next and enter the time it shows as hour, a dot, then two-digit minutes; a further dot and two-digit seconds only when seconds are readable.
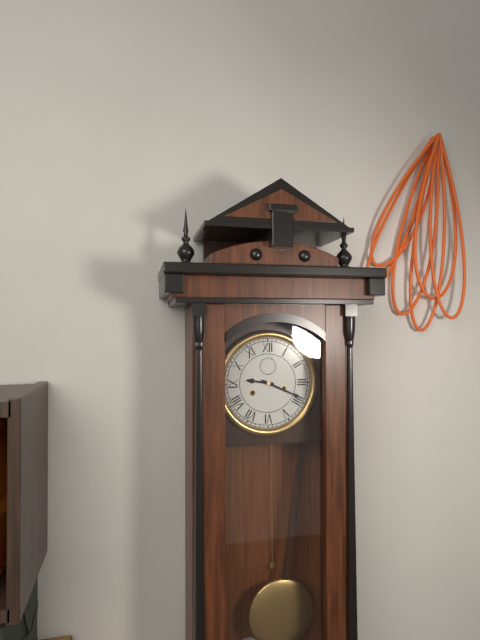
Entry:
9.19
